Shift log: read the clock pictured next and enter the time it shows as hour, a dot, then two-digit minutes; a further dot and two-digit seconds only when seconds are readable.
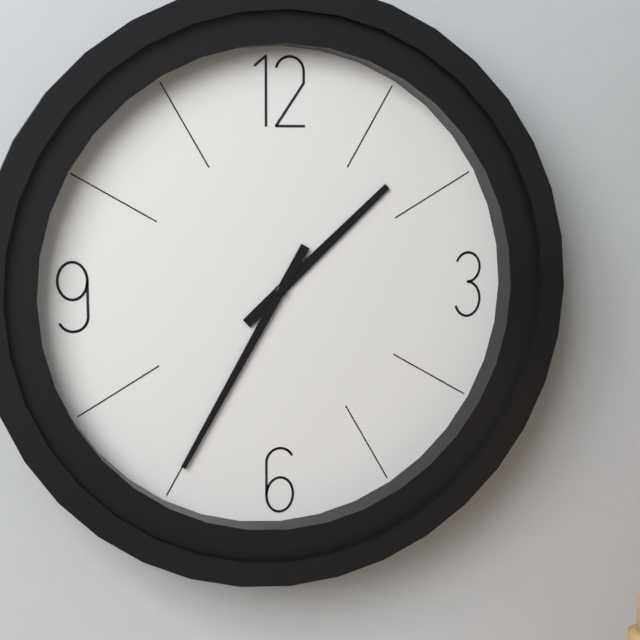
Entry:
1.35
